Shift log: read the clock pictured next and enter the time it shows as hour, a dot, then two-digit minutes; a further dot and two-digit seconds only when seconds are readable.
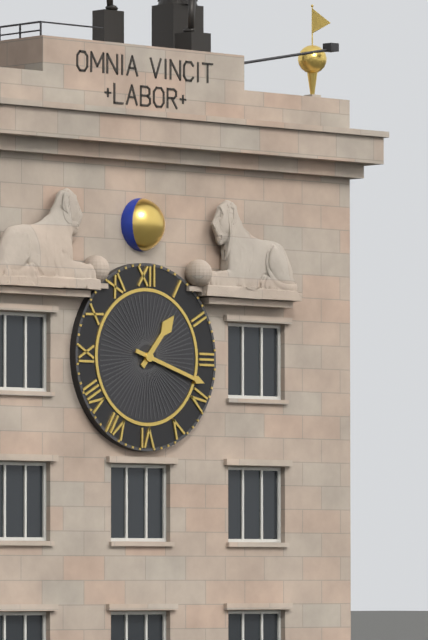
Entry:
1.18
